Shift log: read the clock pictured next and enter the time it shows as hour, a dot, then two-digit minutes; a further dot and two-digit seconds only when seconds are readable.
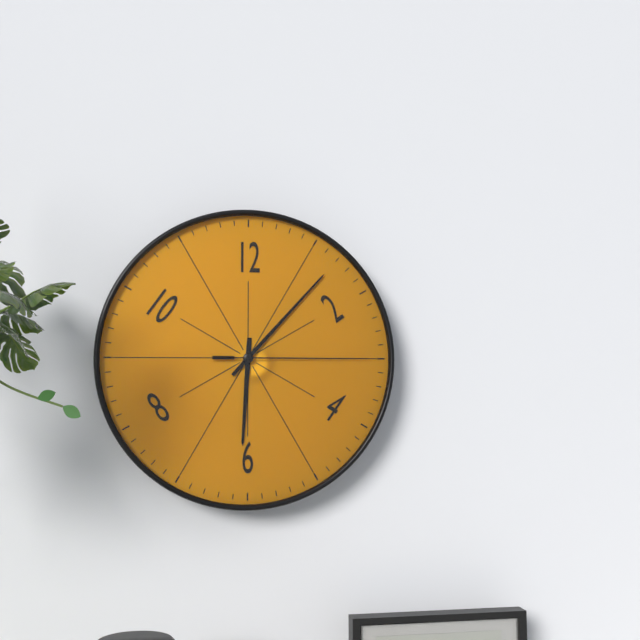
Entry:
6.07.15
